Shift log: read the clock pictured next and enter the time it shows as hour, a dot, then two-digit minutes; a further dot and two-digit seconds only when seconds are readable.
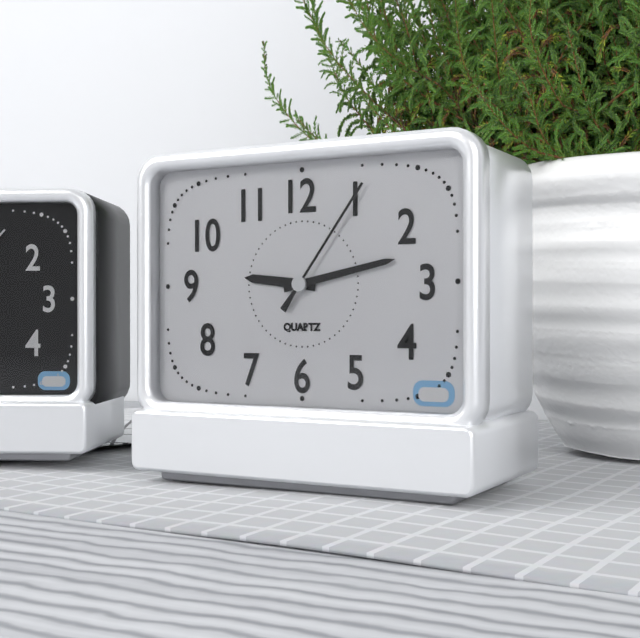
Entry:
9.13.06
